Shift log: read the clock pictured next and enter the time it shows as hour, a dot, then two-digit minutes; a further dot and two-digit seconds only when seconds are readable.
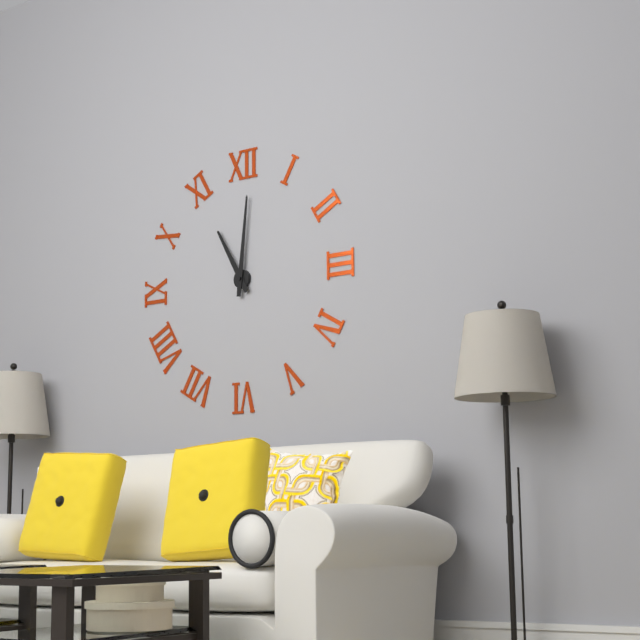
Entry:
11.01
